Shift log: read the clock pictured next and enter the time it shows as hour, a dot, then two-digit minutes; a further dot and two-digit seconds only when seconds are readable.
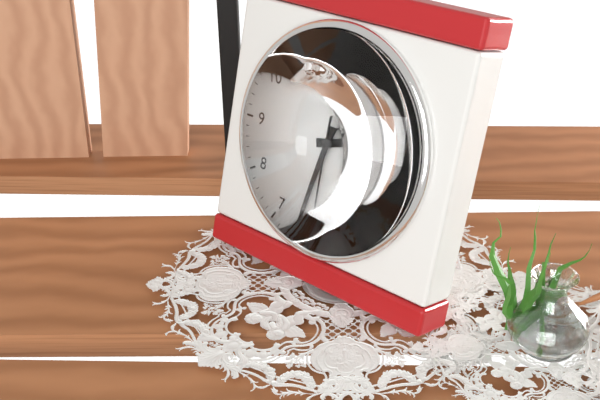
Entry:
2.32.30
